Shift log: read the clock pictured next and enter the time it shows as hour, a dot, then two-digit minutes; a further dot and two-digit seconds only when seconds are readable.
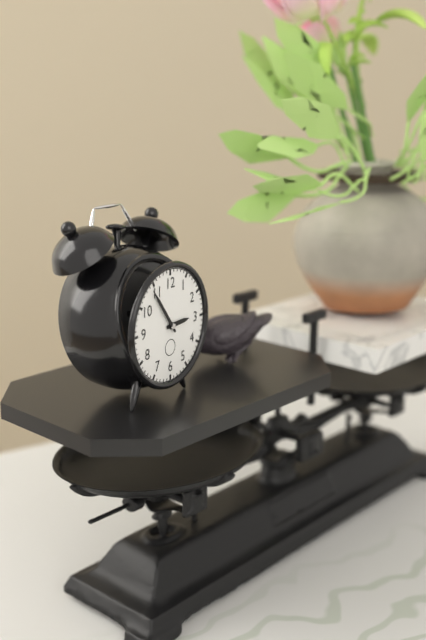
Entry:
2.54
